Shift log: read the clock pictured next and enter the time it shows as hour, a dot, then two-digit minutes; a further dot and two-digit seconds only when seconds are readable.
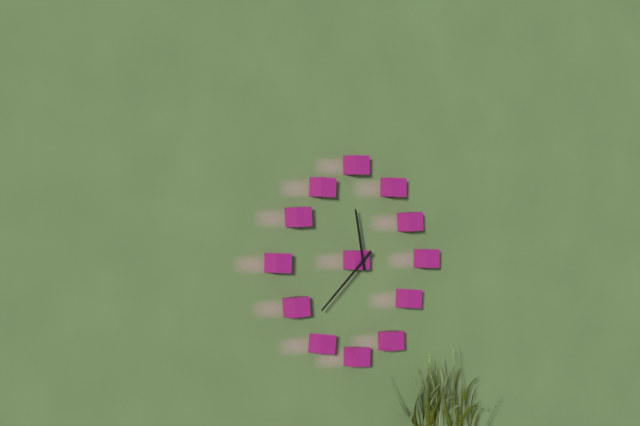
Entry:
11.38
